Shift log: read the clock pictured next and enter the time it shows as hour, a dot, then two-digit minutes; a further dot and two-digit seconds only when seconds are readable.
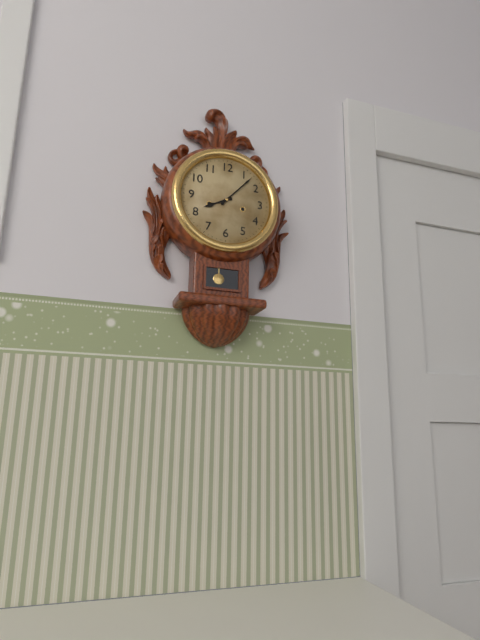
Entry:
8.07
